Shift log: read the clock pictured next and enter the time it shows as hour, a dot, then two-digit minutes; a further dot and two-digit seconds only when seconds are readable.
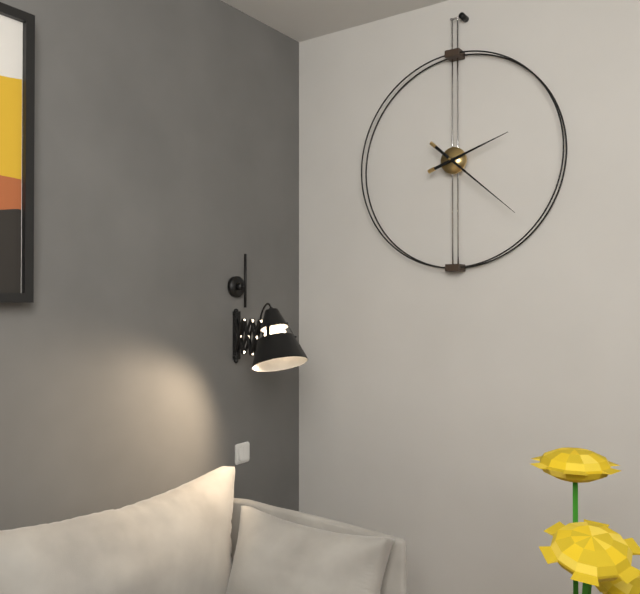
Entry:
2.22
